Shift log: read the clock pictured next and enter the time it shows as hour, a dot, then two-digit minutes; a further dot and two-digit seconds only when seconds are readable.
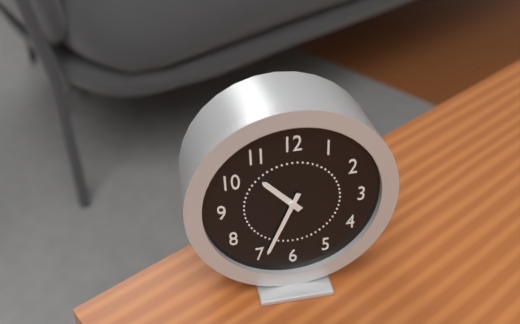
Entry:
10.34
